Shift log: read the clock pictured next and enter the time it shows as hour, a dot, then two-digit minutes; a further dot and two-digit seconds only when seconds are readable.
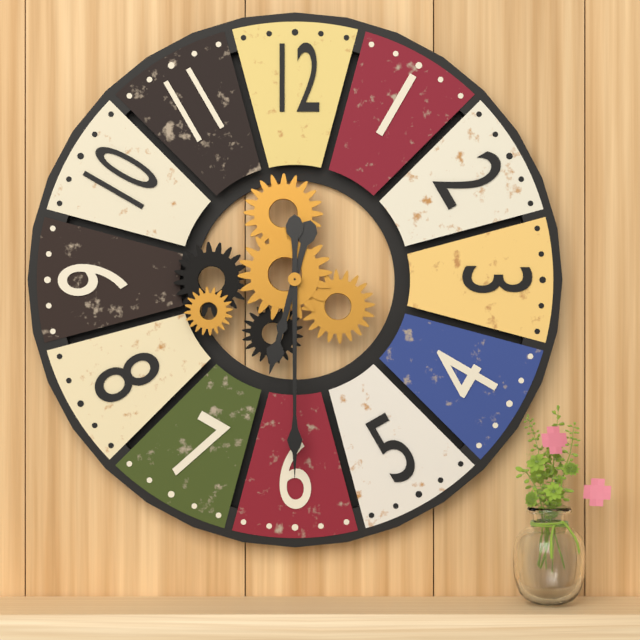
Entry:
6.30
